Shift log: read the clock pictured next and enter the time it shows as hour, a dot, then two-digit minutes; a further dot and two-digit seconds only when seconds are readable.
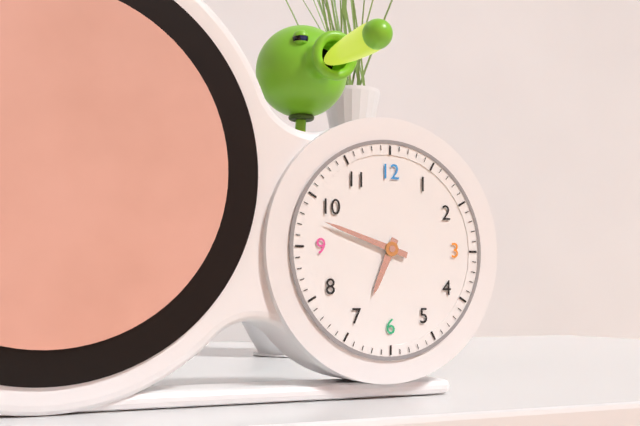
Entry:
6.48
